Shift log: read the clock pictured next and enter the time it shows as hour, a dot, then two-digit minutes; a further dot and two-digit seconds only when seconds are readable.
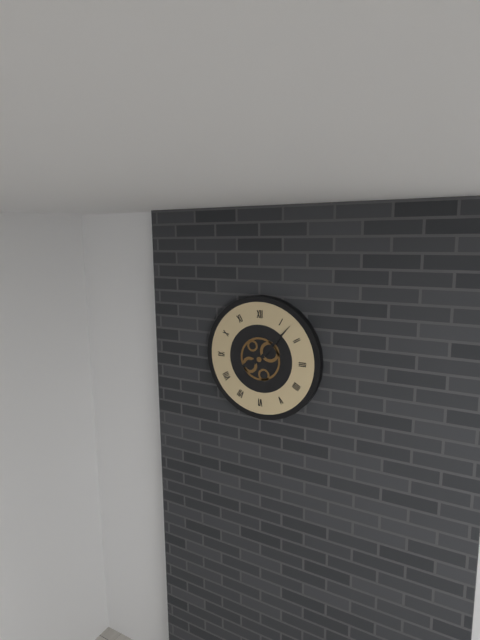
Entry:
8.07
